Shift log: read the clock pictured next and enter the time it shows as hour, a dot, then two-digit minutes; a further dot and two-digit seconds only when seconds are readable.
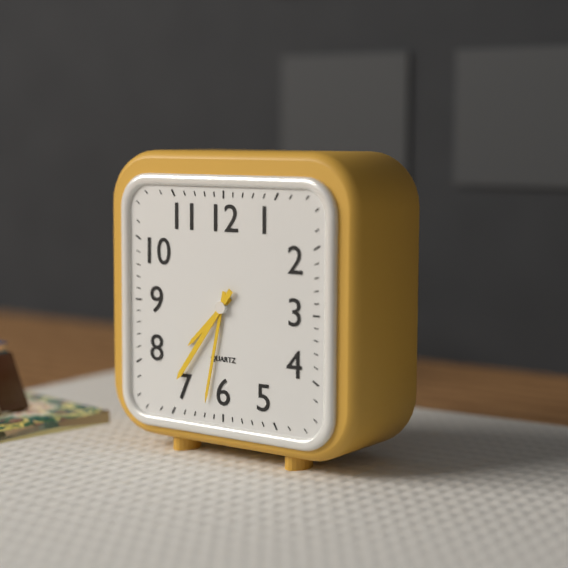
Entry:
7.32.36
